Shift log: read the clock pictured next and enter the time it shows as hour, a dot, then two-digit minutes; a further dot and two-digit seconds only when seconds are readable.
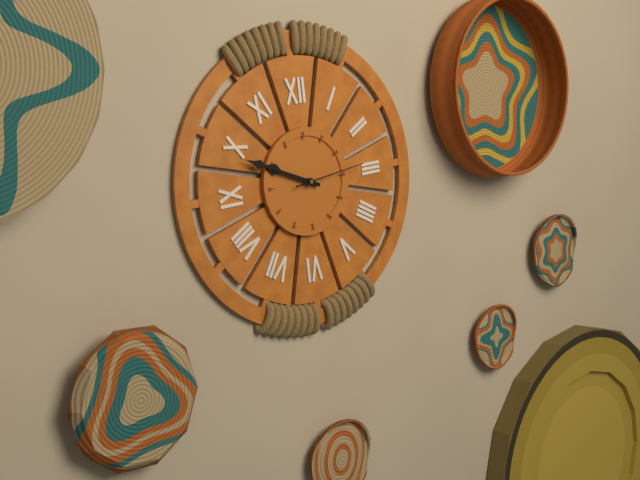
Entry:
9.49.14
